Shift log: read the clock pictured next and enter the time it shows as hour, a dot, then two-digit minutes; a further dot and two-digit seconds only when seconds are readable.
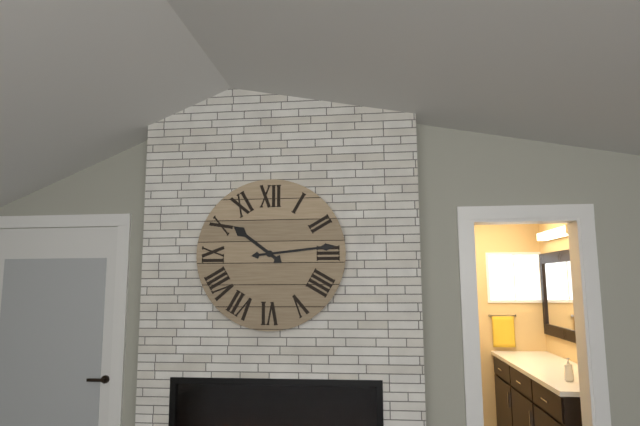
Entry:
10.14
